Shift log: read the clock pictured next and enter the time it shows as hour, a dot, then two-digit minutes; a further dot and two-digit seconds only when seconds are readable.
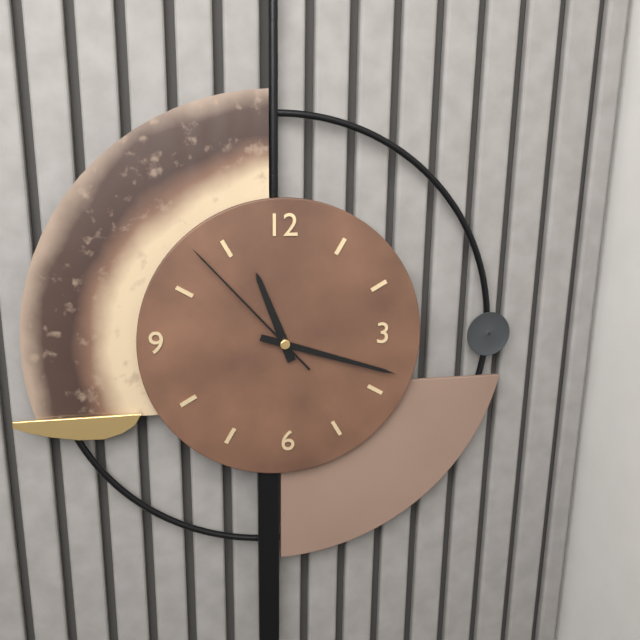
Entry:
11.18.53
